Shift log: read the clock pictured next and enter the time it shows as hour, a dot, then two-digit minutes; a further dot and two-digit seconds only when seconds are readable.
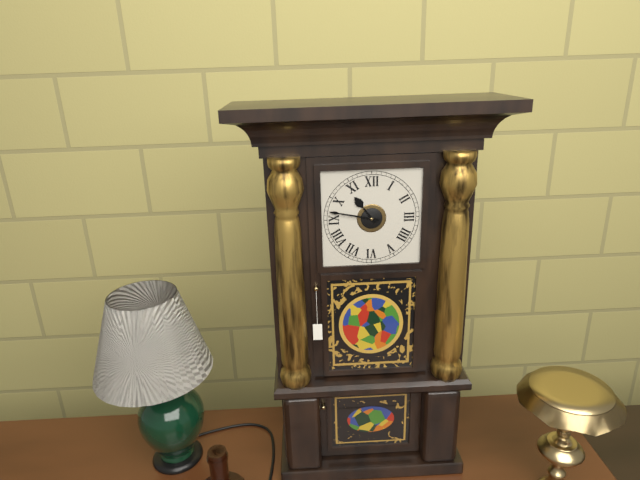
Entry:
10.47
